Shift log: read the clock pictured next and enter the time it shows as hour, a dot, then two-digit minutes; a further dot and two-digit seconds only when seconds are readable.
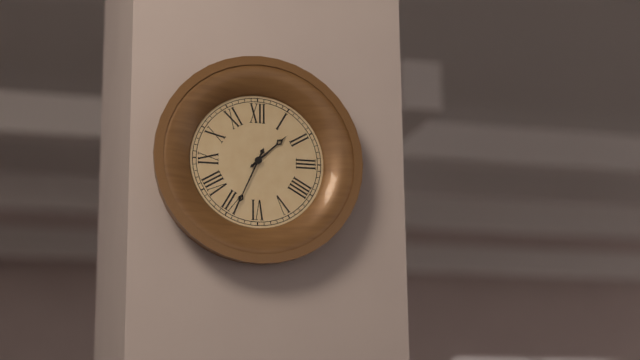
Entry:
1.34
